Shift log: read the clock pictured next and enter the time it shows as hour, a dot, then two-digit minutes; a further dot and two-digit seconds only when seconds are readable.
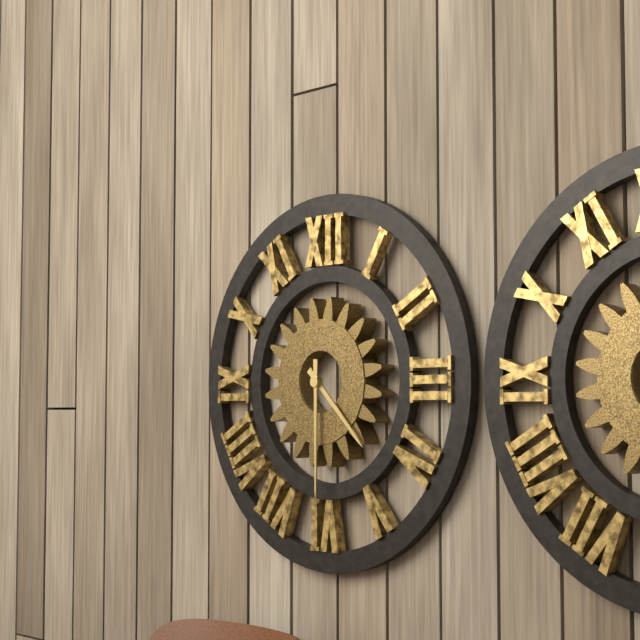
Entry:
4.30
